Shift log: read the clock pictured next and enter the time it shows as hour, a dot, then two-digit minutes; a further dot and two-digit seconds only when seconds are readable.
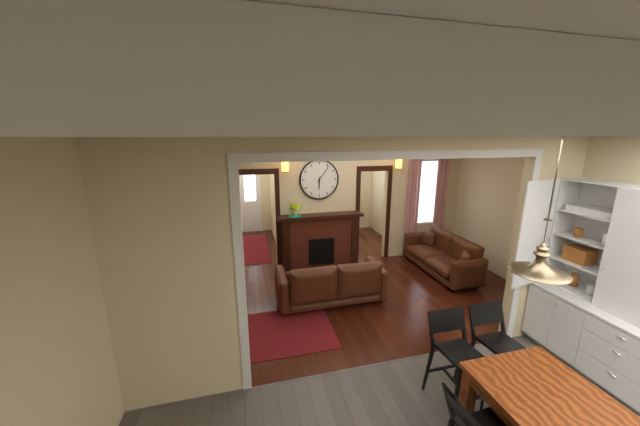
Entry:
6.06
